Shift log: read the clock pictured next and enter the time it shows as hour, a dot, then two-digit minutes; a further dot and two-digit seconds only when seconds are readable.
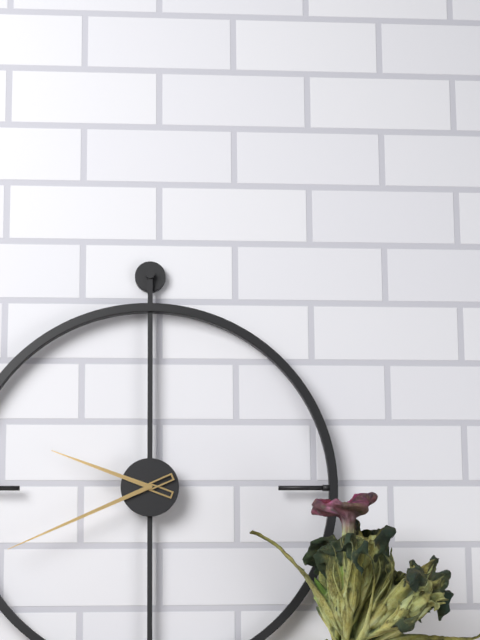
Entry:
9.41
